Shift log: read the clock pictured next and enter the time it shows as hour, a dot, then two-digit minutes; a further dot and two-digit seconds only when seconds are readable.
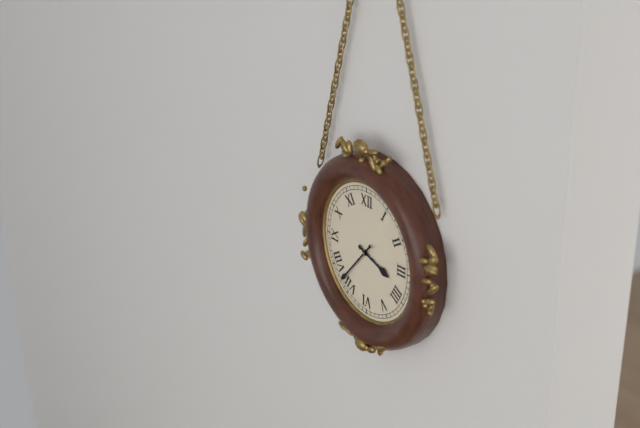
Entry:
3.37
